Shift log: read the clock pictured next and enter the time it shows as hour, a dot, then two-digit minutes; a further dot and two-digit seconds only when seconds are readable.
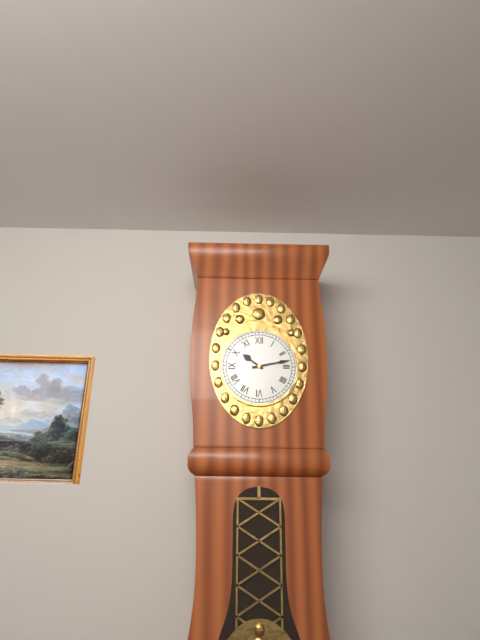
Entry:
10.13
